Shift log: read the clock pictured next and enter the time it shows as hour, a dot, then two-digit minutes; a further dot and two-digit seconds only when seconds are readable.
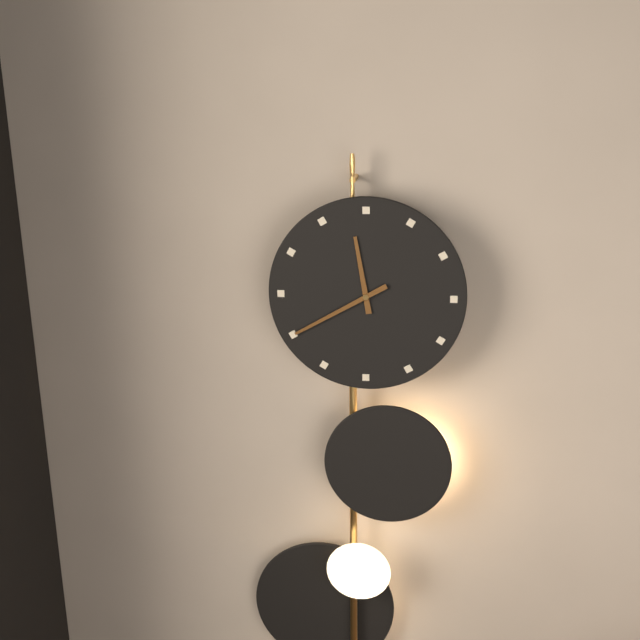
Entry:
11.40
